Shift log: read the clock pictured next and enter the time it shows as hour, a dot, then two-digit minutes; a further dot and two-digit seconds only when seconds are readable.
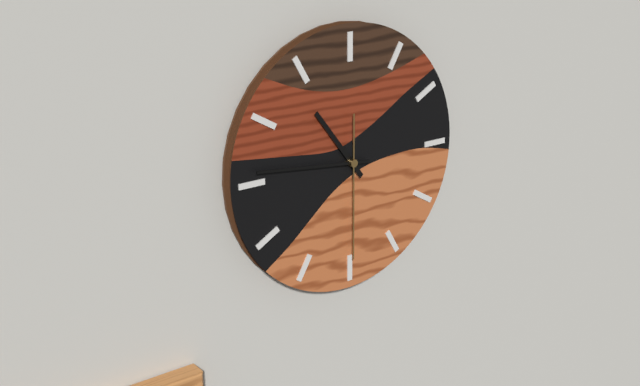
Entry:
10.46.30
